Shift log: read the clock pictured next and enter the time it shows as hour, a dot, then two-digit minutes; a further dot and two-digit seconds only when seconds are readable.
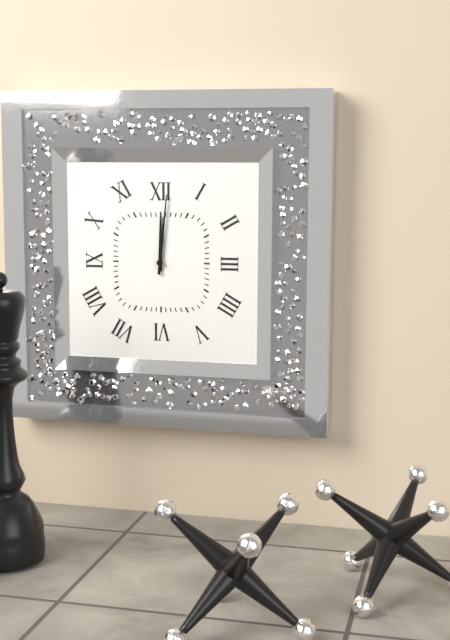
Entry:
12.01
